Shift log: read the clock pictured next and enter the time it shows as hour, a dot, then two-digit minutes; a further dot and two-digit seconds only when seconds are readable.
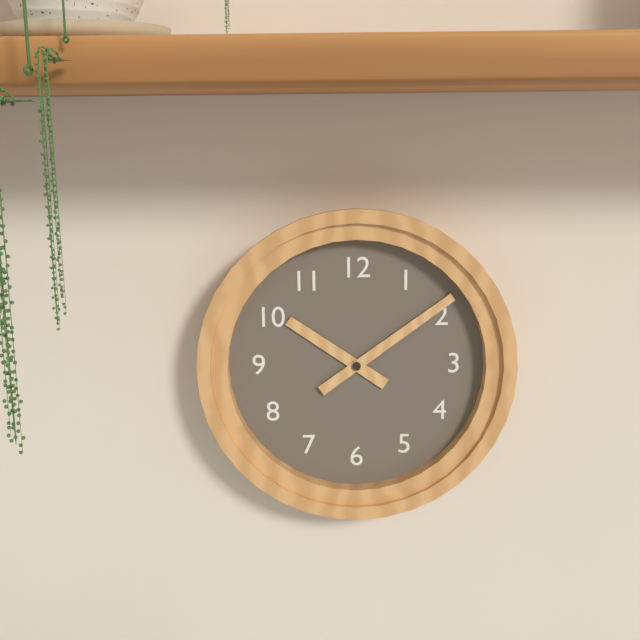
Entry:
10.09
